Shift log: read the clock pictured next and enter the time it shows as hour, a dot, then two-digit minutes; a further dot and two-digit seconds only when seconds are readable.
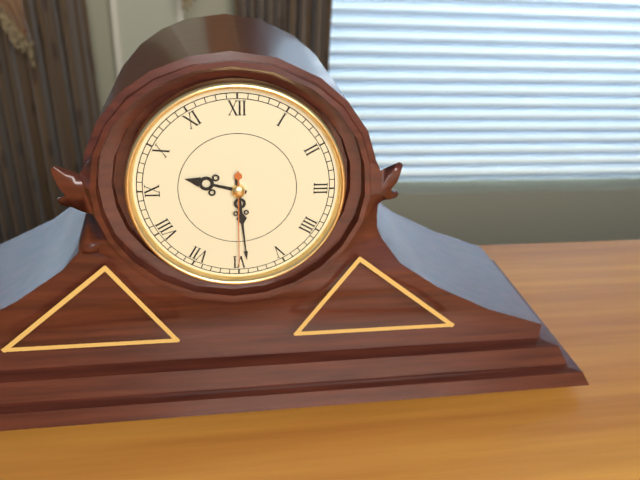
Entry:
9.29.30
